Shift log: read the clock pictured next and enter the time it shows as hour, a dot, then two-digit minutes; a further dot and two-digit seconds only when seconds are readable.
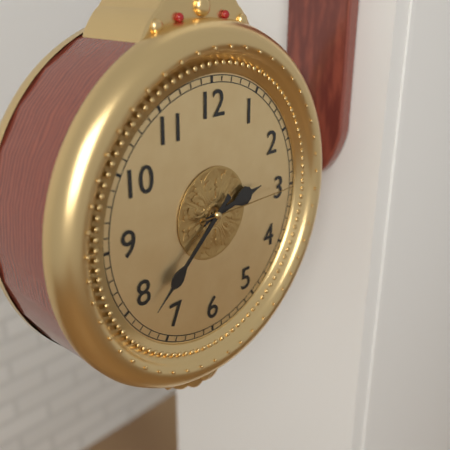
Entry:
2.38.15
